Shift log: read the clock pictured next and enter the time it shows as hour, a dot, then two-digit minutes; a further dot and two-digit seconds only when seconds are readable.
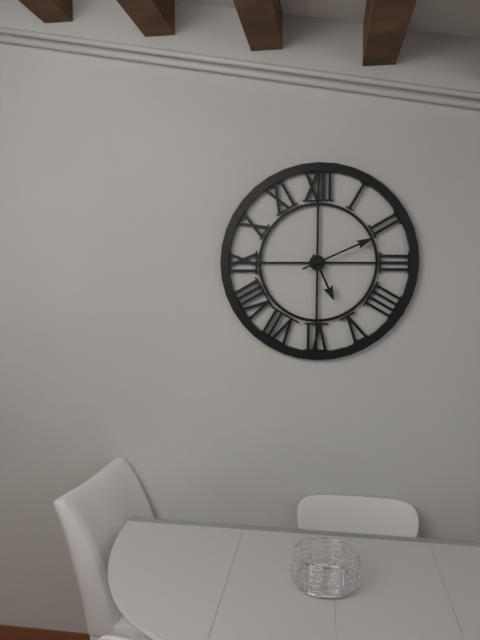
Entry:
5.11
